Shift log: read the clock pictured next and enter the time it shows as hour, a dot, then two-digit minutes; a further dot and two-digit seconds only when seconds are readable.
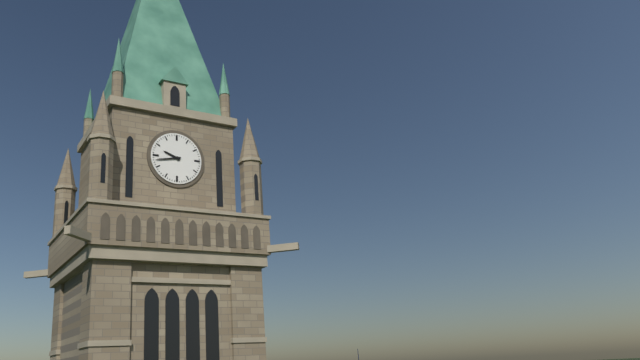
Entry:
9.43
